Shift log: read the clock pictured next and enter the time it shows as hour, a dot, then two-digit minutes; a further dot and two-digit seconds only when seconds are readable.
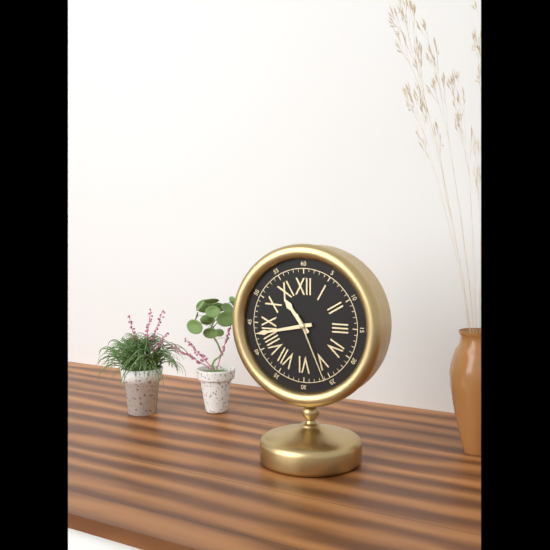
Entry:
10.43.26
